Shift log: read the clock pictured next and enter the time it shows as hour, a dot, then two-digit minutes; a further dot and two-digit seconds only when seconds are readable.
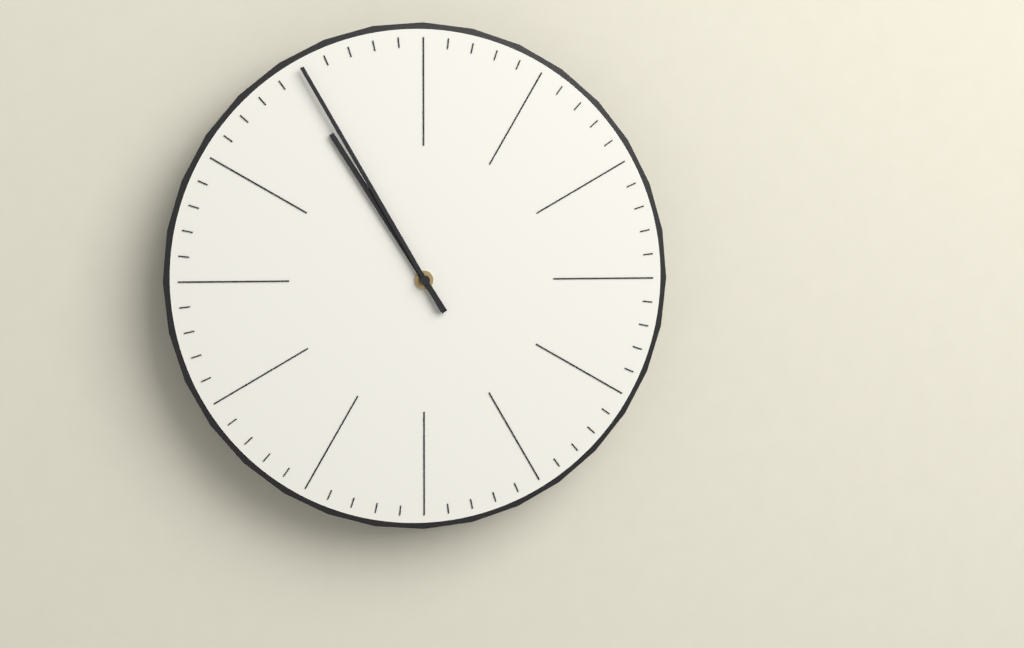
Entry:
10.55
